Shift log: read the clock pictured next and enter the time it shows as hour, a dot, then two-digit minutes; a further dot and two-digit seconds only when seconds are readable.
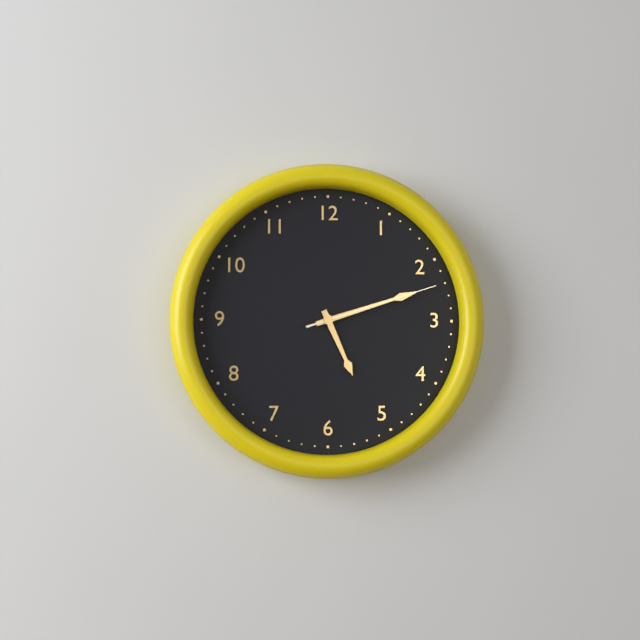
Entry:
5.12.12
